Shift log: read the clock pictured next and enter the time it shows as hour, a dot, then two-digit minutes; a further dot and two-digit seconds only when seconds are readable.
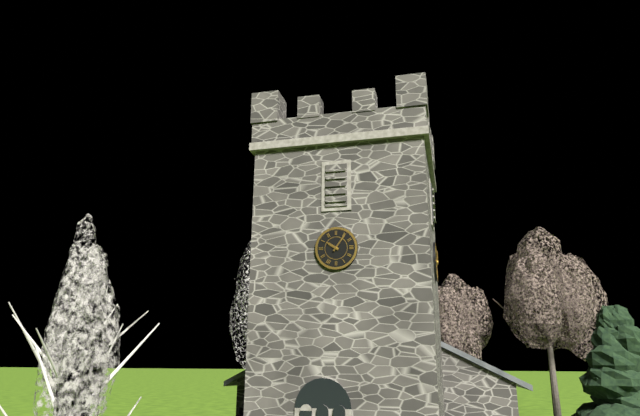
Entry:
10.06
